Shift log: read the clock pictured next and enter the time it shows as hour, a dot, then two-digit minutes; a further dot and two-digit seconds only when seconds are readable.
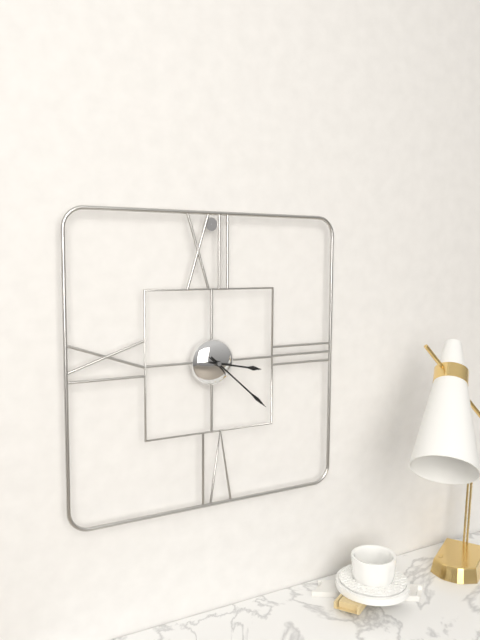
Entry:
3.22
